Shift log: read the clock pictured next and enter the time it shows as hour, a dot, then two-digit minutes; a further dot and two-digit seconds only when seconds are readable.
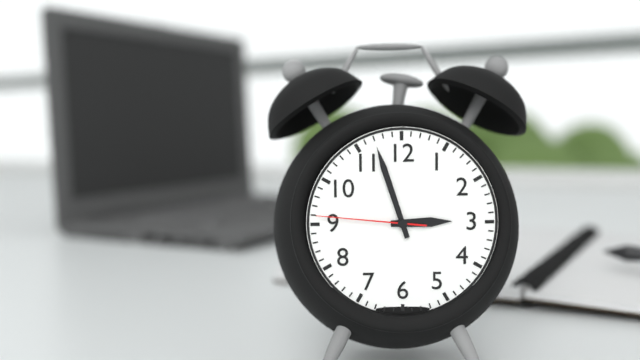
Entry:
2.57.46
